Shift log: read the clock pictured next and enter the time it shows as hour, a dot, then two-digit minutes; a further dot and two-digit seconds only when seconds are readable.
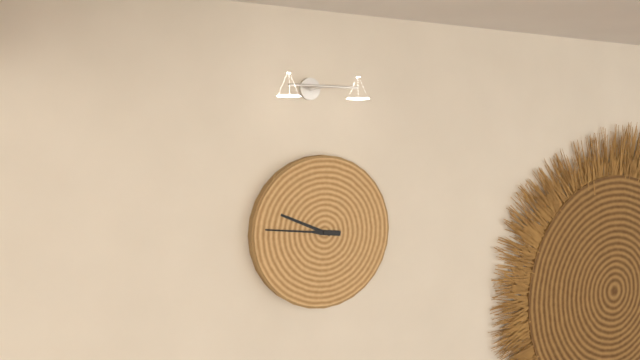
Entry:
9.46
